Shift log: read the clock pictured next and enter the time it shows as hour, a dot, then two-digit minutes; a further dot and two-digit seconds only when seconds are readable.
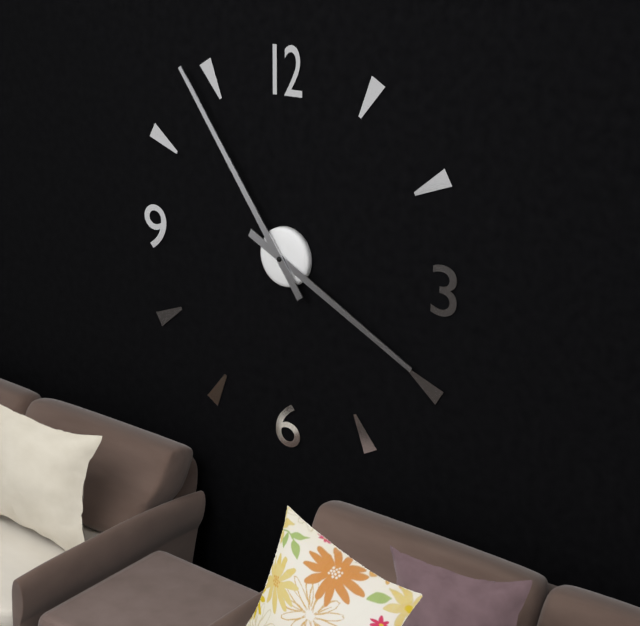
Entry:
3.54
